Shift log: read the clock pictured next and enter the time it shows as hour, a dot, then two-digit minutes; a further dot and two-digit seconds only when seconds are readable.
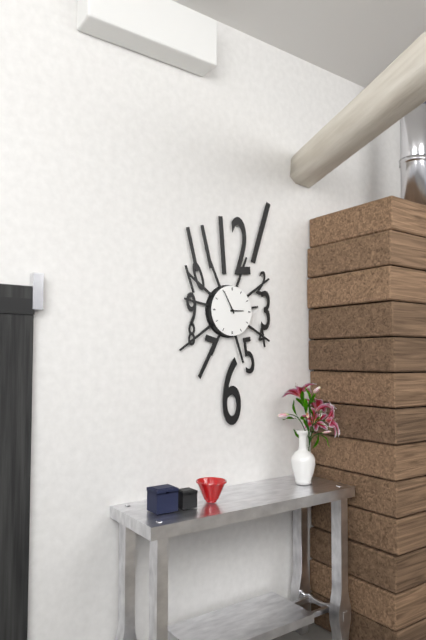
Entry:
2.55
